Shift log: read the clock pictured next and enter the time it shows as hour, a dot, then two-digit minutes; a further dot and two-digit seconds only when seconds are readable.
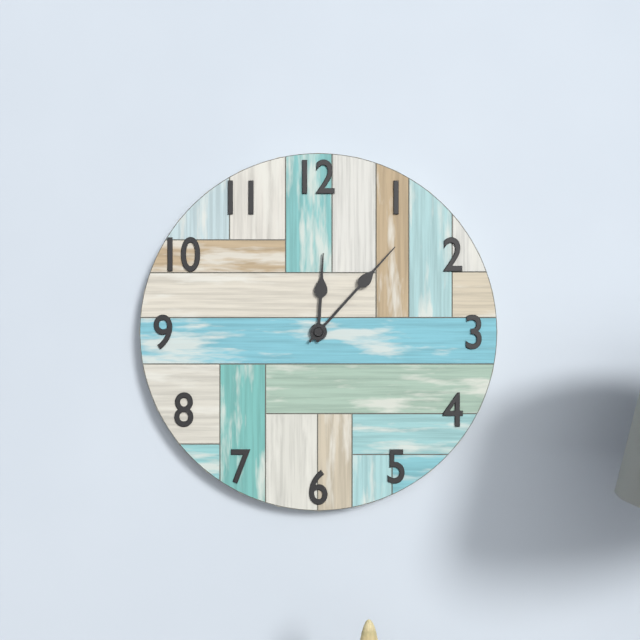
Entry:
12.07
